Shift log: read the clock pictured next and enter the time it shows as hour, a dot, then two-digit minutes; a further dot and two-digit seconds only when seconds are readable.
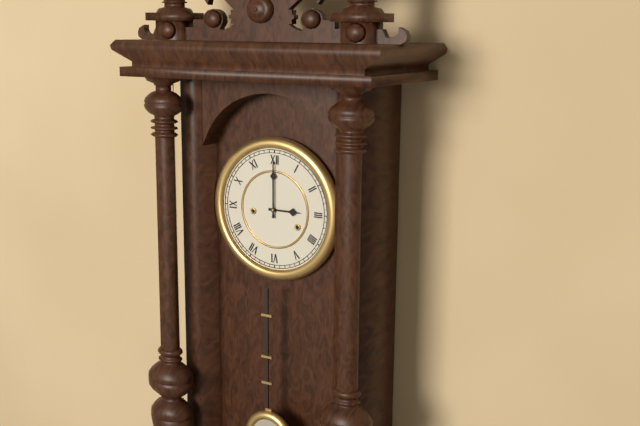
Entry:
3.00
